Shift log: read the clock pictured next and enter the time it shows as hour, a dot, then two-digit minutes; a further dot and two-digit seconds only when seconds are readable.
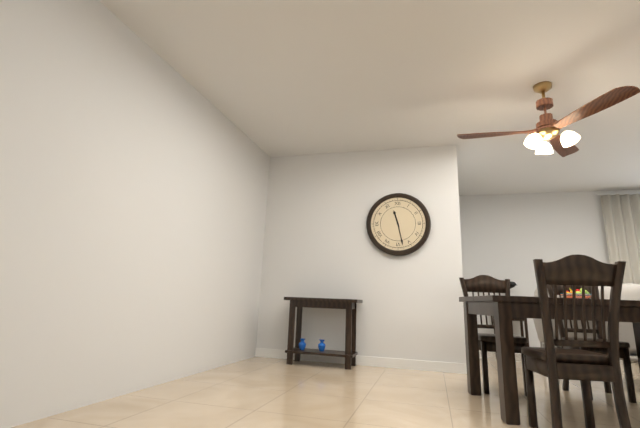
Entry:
11.28
